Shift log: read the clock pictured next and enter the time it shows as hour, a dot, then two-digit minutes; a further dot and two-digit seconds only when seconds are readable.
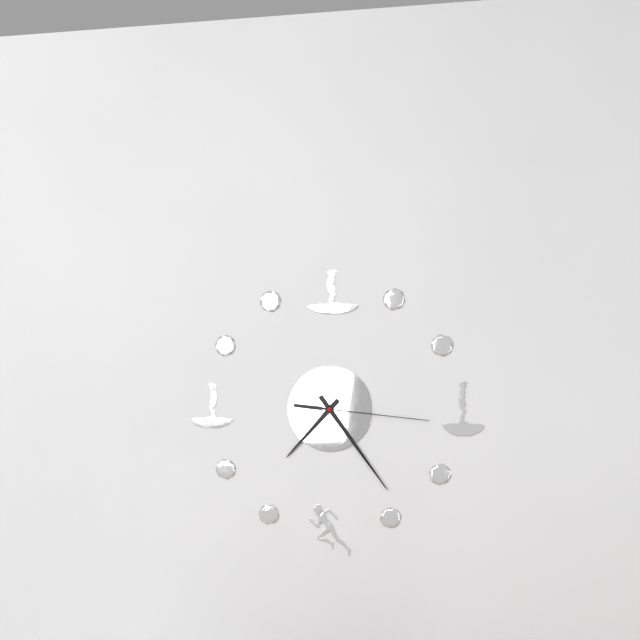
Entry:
7.24.16
